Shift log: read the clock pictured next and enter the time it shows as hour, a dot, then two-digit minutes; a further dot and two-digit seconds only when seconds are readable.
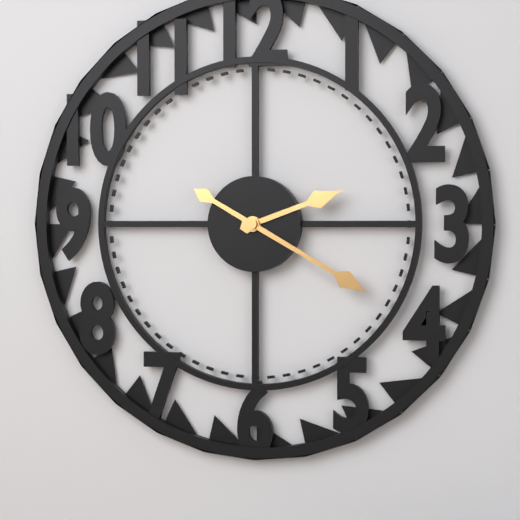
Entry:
2.20
